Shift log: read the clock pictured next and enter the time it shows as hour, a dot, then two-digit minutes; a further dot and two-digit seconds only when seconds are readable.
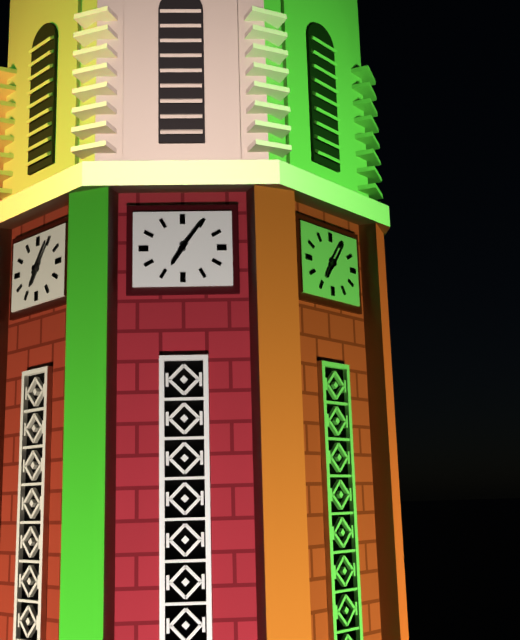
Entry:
7.06
